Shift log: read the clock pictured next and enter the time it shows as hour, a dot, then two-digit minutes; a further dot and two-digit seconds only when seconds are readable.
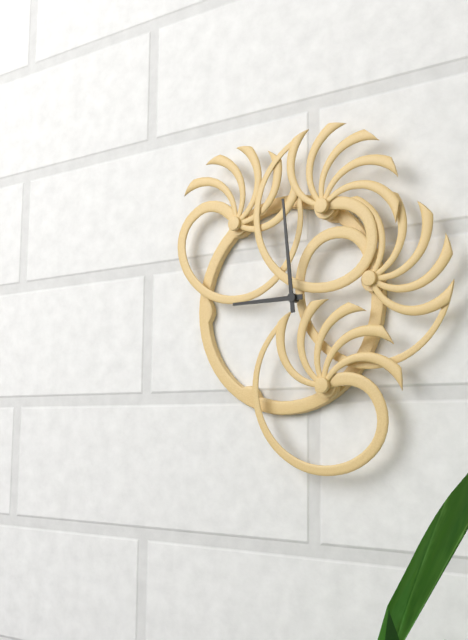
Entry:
8.59
